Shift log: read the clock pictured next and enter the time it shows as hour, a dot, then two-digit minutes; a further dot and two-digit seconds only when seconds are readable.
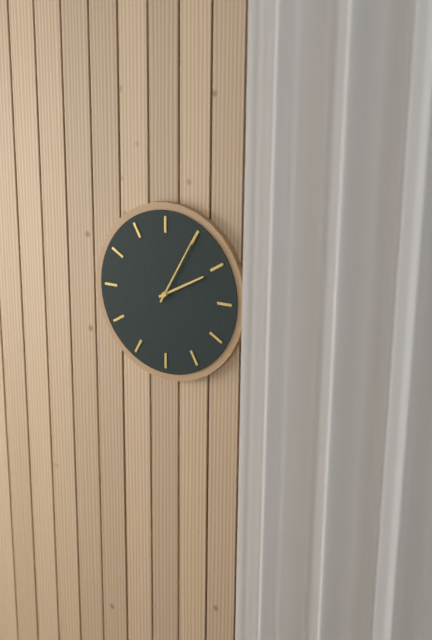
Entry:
2.05
